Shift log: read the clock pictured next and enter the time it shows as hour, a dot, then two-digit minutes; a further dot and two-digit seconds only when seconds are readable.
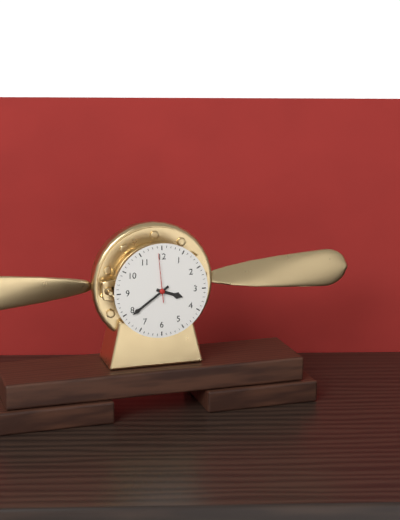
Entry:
3.39
